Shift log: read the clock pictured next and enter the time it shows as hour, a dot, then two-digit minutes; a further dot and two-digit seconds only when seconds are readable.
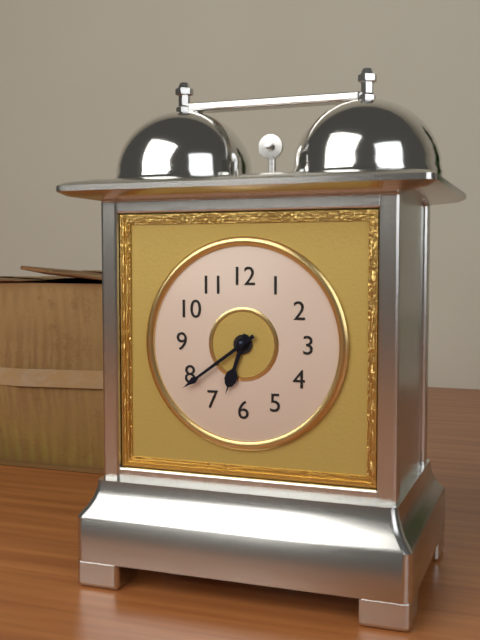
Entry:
6.39
